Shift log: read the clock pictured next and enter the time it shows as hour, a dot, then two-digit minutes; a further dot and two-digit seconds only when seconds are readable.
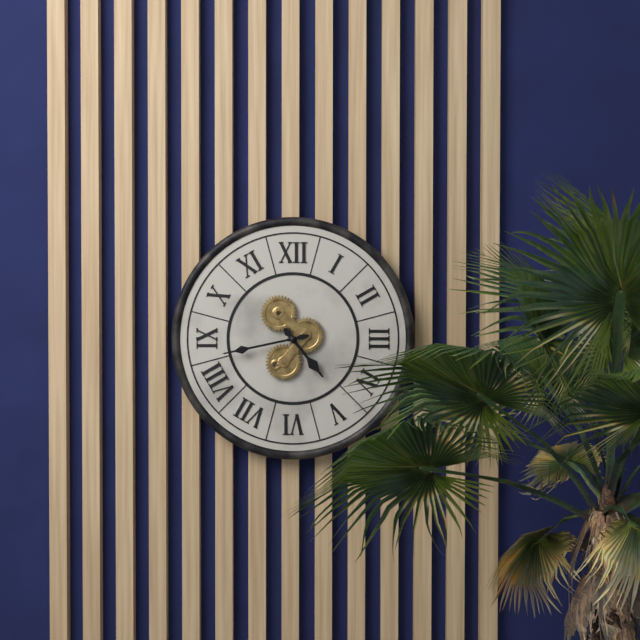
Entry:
4.43
